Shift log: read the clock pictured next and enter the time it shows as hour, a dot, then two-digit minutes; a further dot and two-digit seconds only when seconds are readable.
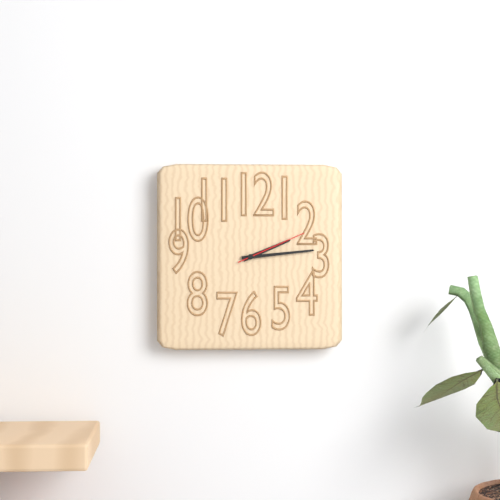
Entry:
2.14.11
